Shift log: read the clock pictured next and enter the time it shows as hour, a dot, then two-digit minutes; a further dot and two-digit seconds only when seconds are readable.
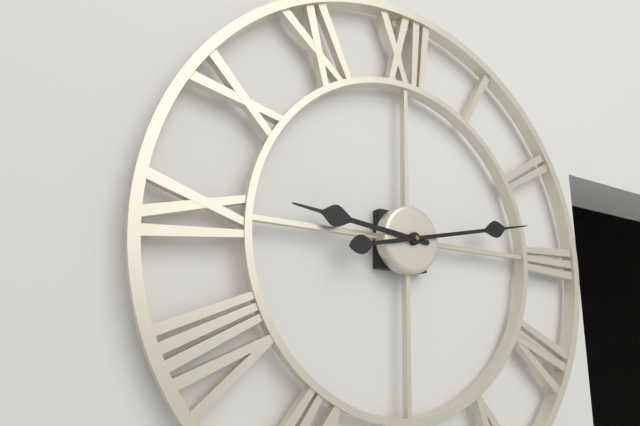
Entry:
9.13
